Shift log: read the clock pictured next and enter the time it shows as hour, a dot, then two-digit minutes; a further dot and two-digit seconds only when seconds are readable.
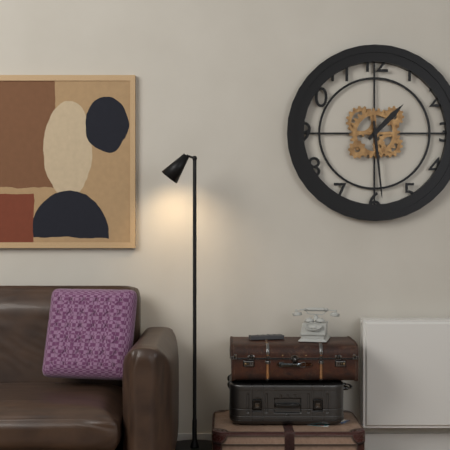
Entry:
1.29
